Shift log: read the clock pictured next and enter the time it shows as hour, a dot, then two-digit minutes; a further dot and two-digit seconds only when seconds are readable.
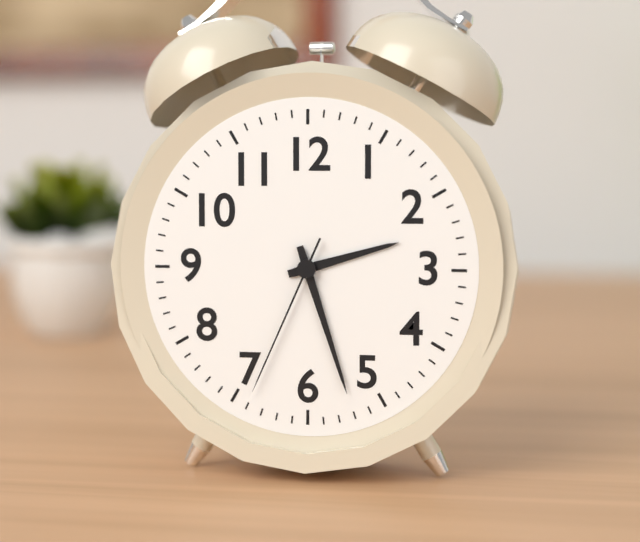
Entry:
2.27.34
